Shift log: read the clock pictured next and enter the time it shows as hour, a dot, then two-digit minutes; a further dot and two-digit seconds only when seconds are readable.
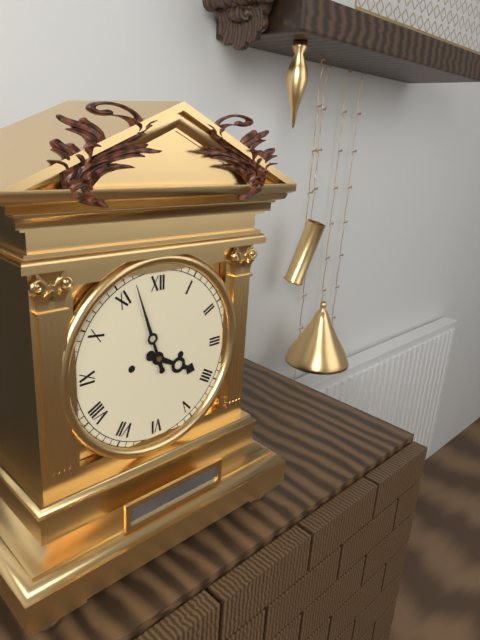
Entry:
3.57
